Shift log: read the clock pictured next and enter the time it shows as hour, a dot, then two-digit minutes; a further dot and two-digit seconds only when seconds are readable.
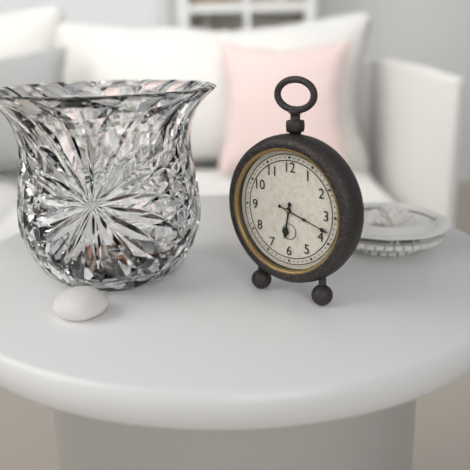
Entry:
6.18
